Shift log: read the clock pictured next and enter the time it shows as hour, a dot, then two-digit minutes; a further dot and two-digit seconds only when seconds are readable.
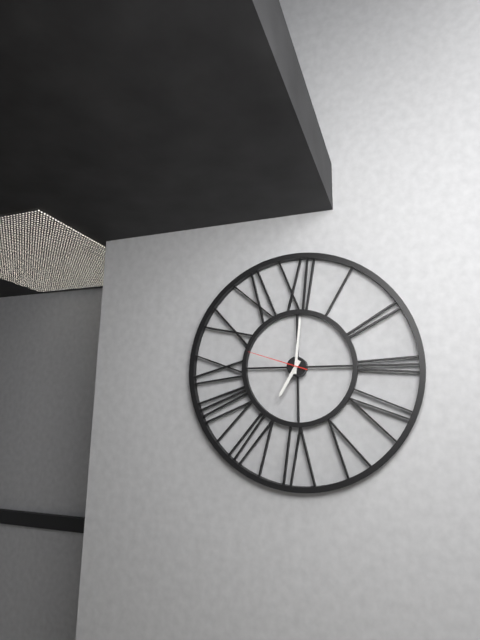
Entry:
7.01.48
